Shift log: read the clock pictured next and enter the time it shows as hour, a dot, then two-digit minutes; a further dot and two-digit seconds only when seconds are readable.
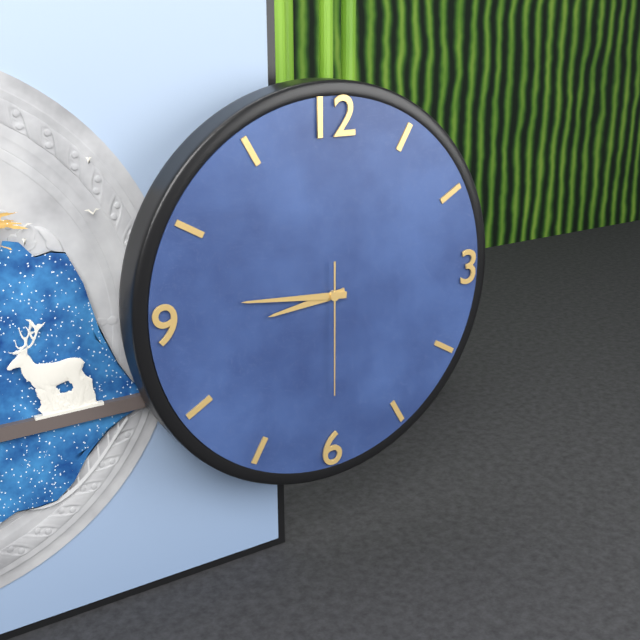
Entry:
8.46.30
